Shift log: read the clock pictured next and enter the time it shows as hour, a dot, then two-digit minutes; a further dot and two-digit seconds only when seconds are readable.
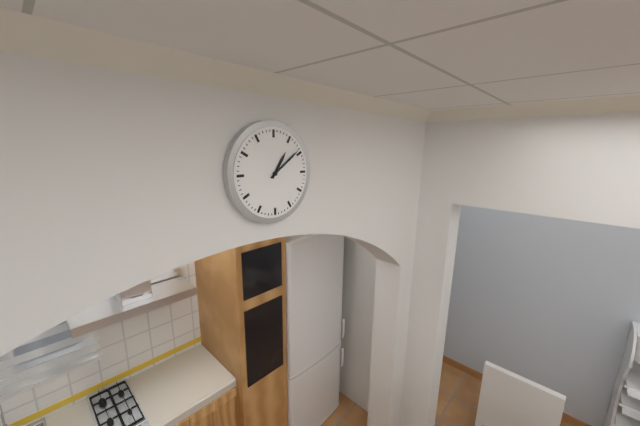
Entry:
1.09
